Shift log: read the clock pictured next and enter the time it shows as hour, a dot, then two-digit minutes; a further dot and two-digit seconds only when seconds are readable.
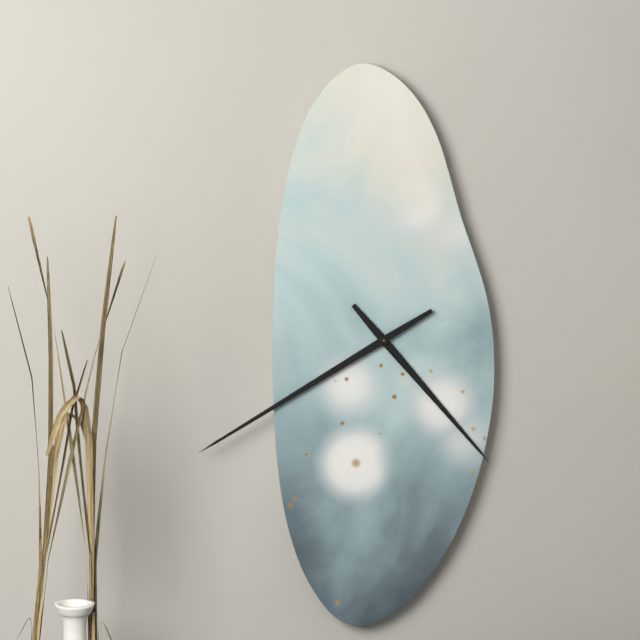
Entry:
4.40
